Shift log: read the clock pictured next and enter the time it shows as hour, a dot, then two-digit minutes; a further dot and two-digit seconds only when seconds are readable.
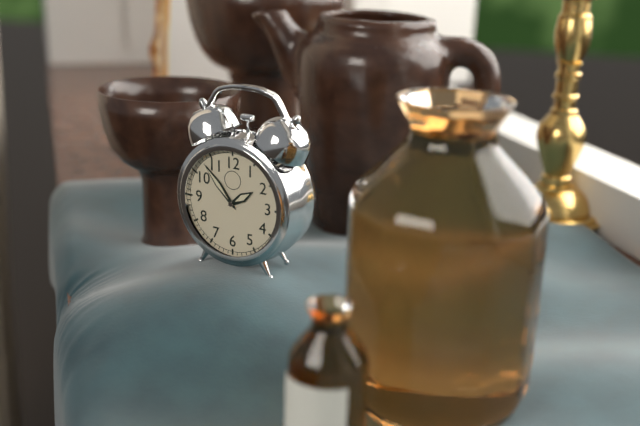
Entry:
1.53
